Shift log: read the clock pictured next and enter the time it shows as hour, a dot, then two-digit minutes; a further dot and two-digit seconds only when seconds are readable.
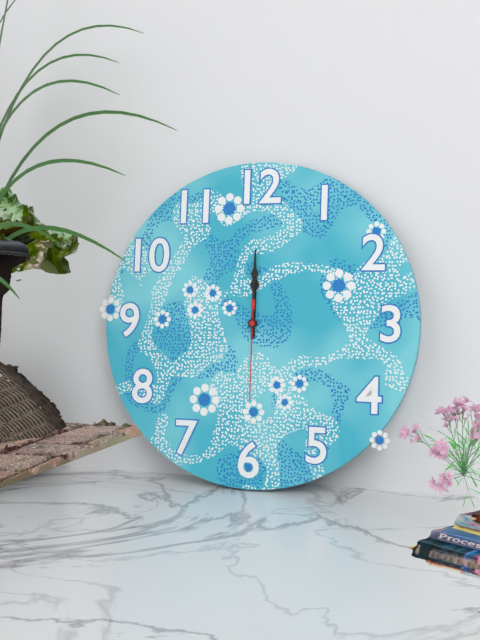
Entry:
12.00.30
